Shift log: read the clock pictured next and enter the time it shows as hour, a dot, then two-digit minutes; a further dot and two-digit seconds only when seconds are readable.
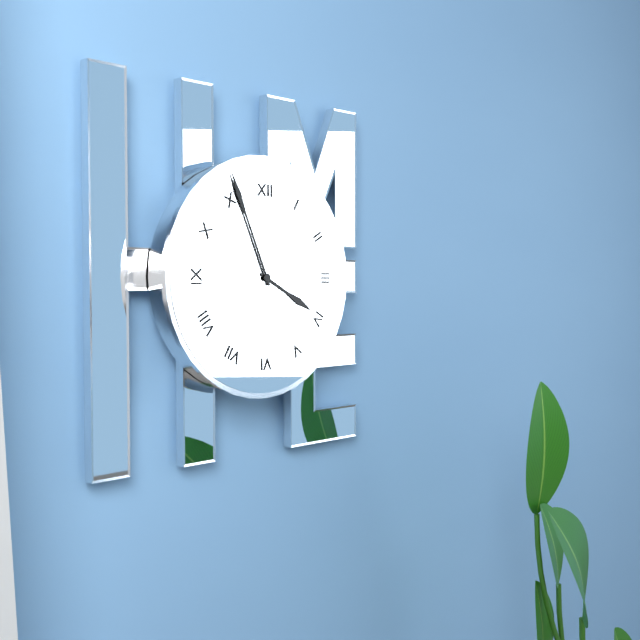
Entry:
3.56
